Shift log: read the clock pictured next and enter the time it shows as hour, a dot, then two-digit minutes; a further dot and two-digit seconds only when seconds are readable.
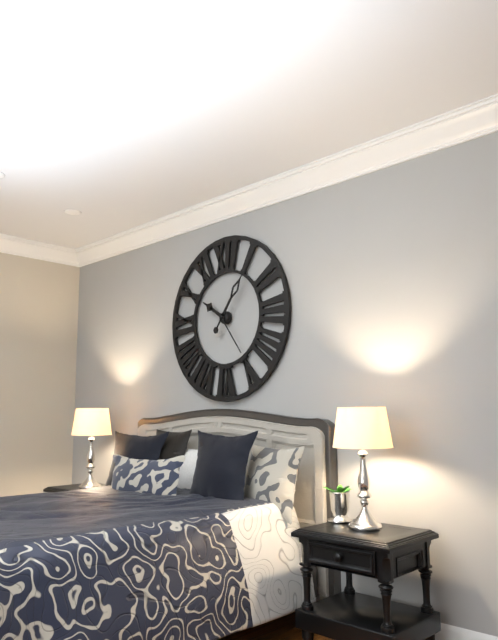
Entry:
10.06.24
